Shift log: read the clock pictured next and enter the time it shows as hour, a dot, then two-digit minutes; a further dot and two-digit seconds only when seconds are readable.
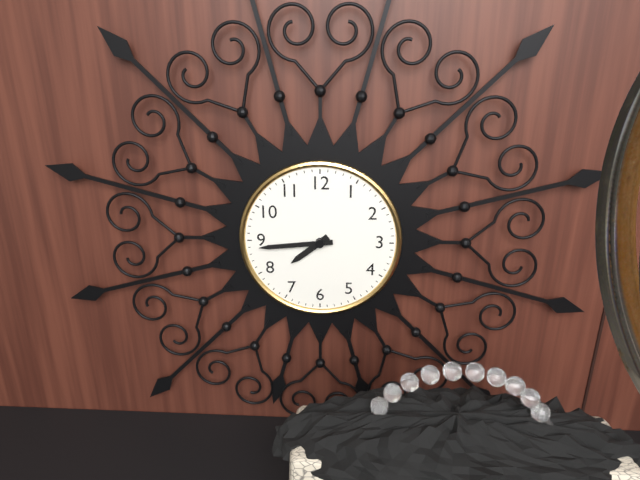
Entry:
7.44
